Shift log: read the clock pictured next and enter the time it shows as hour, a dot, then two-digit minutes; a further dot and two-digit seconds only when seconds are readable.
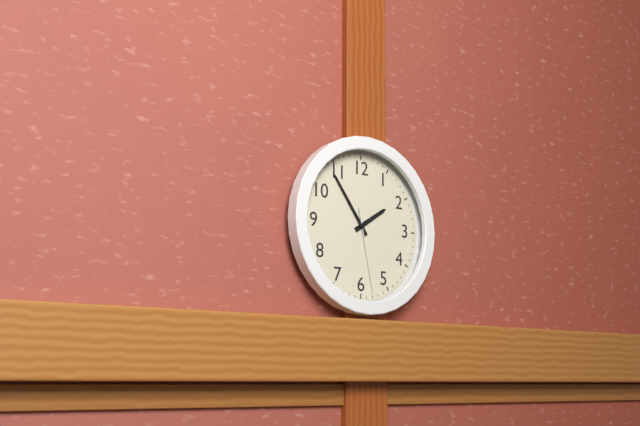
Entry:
1.54.28
